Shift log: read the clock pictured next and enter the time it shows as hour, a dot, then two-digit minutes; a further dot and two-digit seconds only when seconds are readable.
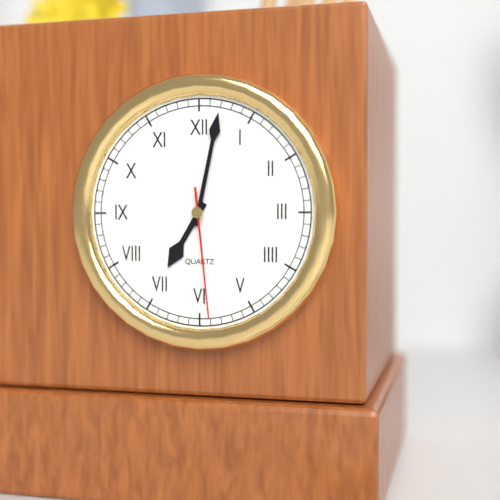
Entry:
7.02.29
